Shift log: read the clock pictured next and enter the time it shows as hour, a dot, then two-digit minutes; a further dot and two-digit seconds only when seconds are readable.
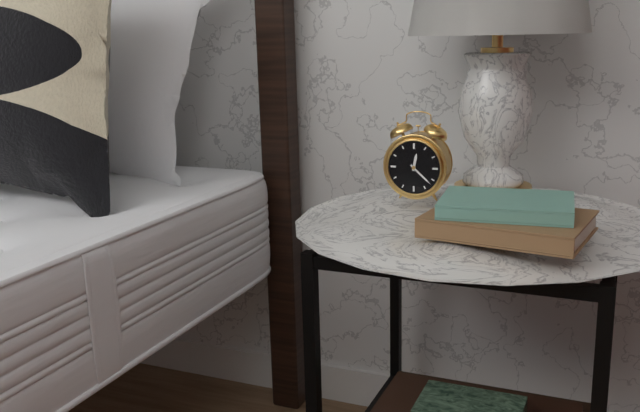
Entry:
12.22
